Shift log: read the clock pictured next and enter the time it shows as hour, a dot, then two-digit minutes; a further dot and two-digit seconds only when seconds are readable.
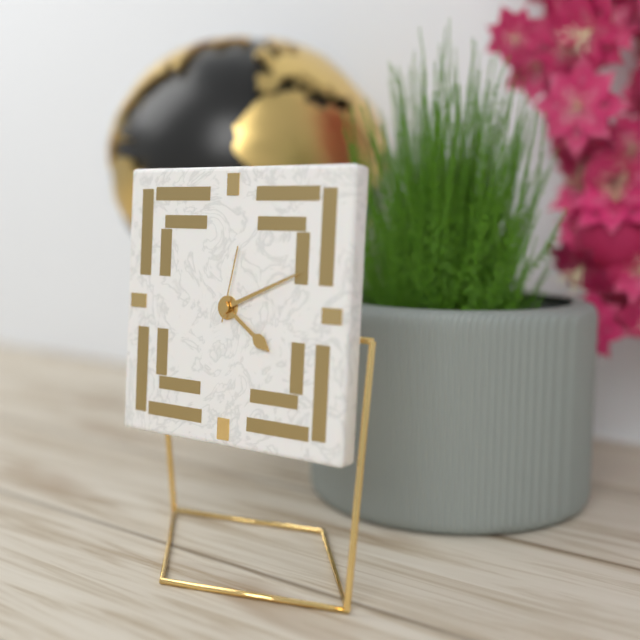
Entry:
4.11.02
